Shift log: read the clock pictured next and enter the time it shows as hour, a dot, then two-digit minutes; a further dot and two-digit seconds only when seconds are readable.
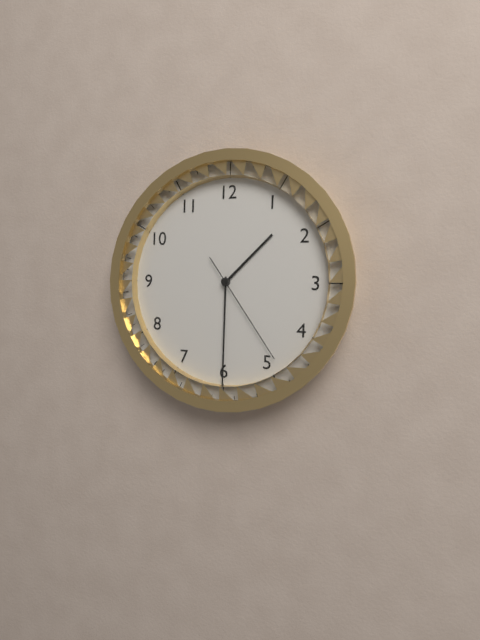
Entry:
1.30.24
